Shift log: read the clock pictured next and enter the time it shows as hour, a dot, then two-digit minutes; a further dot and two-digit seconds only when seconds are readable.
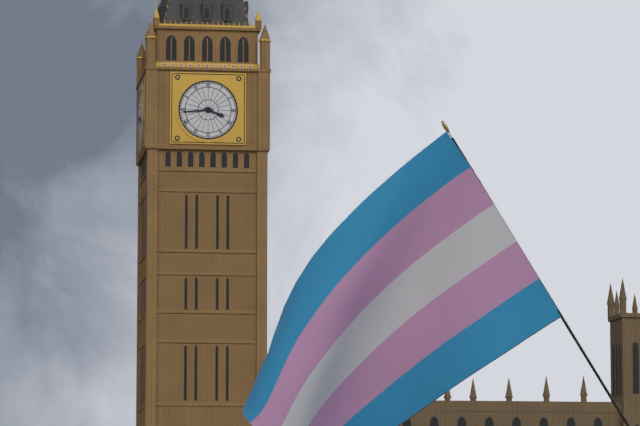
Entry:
3.44
